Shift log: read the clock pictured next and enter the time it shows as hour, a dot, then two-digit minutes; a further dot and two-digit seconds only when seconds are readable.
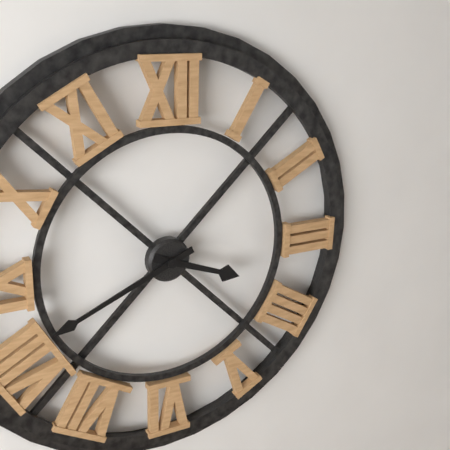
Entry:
3.41
